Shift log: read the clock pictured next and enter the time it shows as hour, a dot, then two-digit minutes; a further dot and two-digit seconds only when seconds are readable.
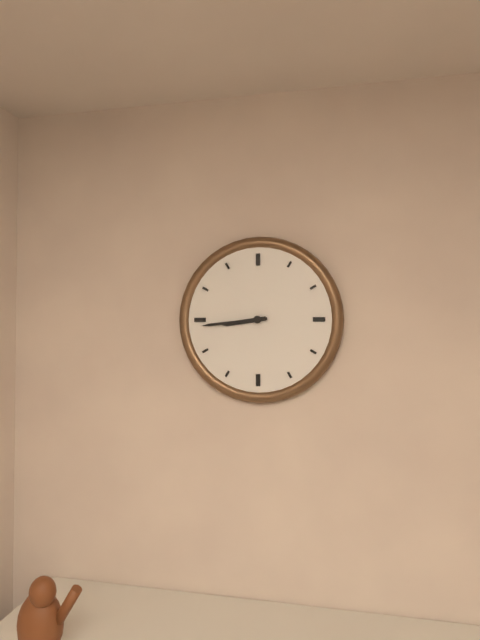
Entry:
8.44
